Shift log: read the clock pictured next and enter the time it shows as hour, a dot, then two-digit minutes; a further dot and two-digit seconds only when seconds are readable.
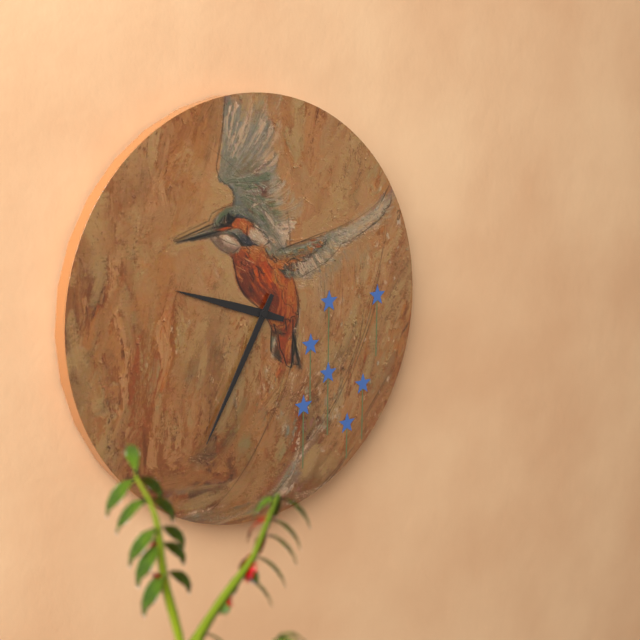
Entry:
9.35
